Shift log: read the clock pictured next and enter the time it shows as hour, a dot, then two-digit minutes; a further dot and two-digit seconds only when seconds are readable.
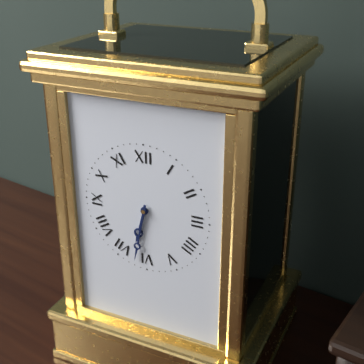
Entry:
6.32
